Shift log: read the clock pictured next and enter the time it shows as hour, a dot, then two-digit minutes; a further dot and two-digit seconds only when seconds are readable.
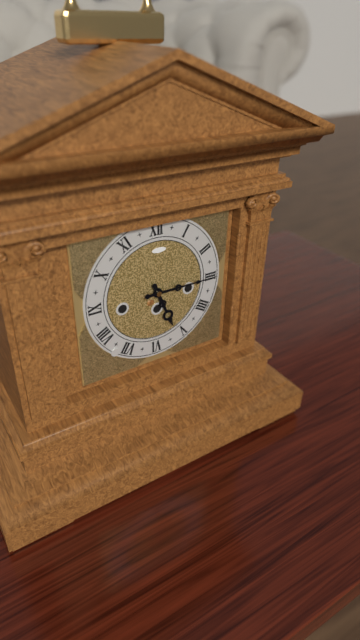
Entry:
5.15
